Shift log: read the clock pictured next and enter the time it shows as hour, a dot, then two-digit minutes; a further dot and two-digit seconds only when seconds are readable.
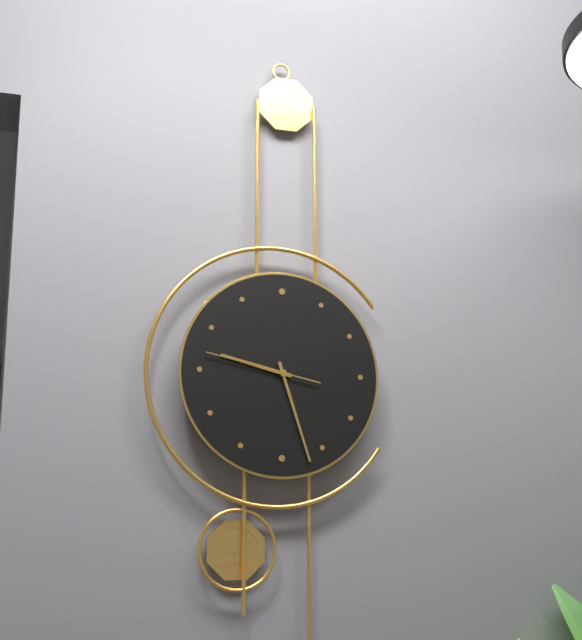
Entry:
9.27.47
